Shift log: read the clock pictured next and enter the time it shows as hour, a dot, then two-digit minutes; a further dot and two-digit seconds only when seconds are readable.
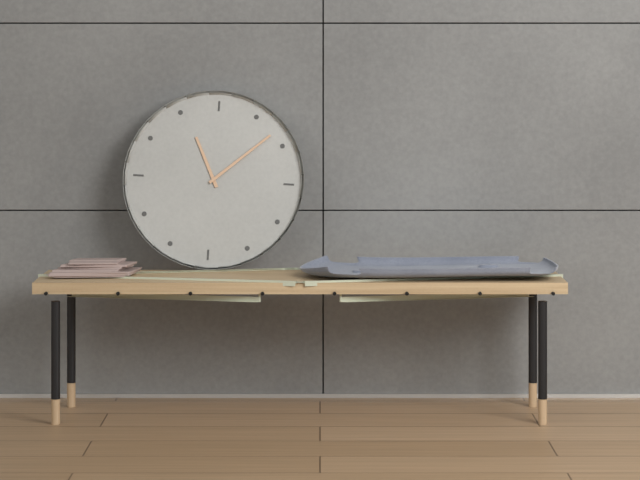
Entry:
11.08
